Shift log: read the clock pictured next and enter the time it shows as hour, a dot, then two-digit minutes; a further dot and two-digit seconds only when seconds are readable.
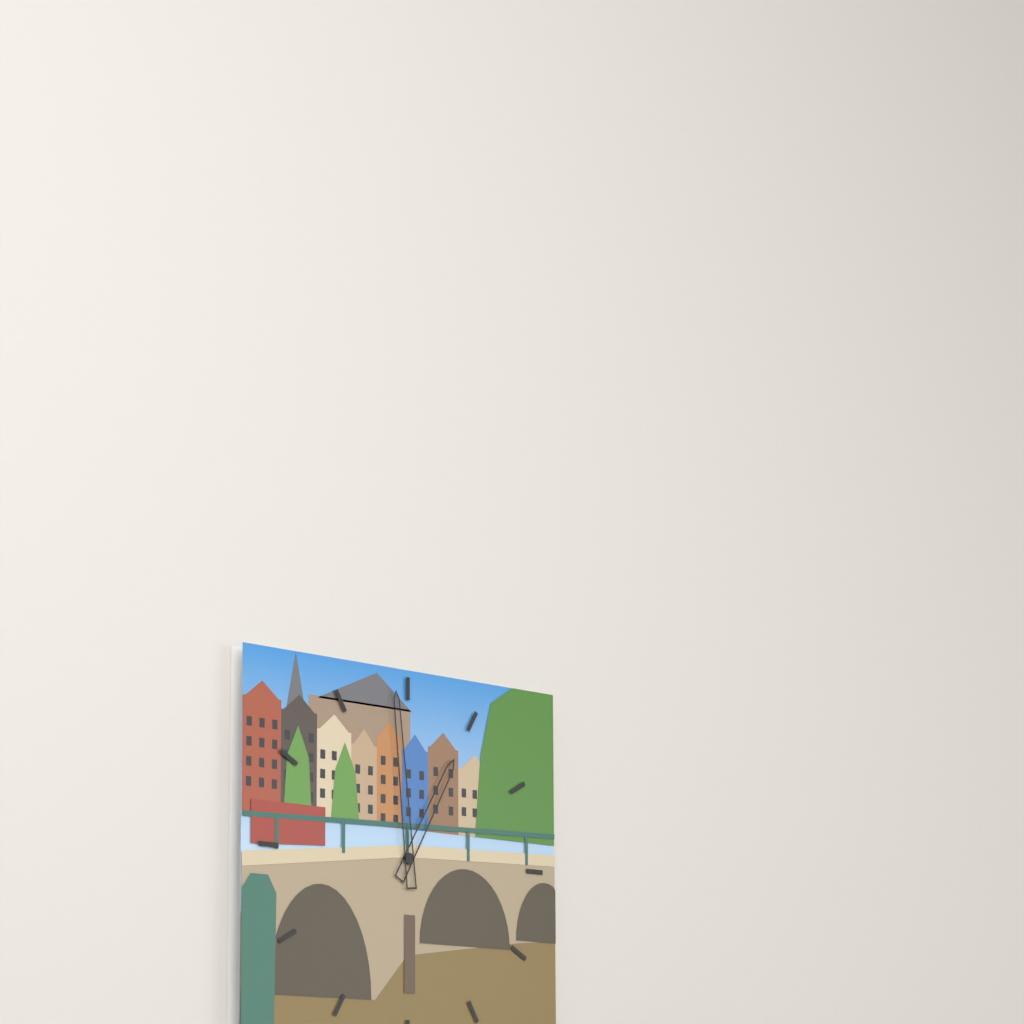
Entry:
12.59
